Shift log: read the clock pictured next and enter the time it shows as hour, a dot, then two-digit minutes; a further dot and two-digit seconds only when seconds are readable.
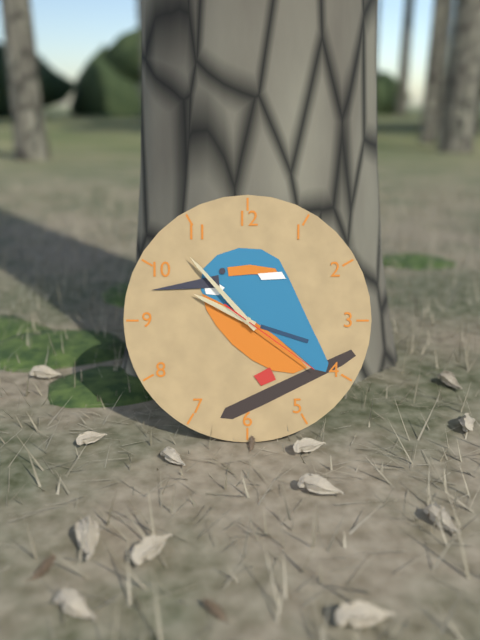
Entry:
9.53.21
